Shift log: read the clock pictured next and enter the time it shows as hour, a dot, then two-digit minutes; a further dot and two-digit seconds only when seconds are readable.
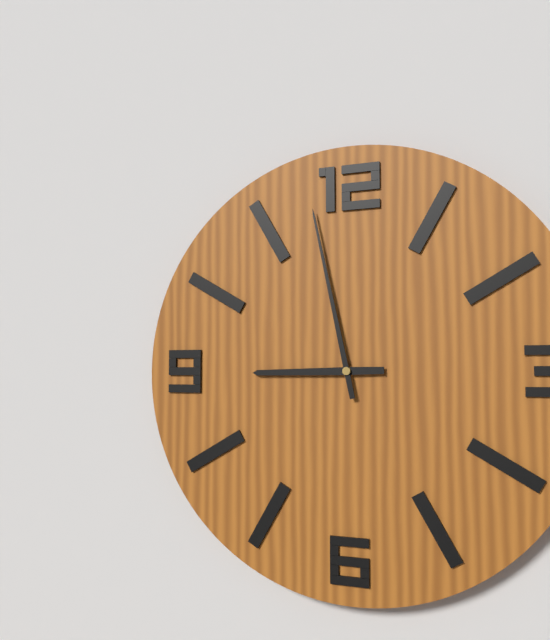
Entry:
8.58
